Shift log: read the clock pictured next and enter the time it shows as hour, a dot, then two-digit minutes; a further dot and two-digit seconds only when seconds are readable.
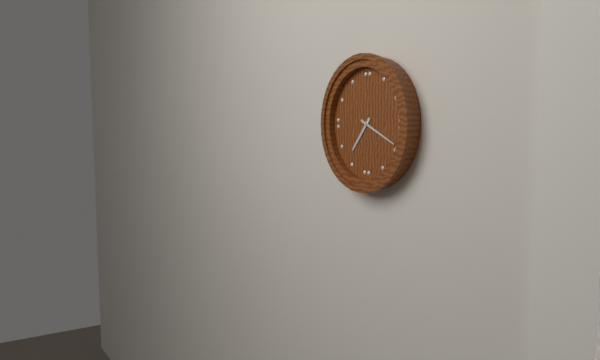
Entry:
7.19
